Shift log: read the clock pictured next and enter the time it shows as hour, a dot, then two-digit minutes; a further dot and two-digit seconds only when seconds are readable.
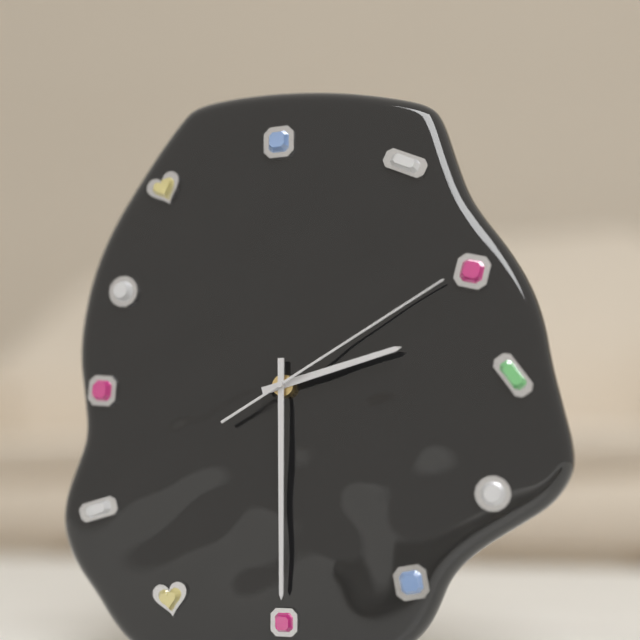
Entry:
2.30.10
